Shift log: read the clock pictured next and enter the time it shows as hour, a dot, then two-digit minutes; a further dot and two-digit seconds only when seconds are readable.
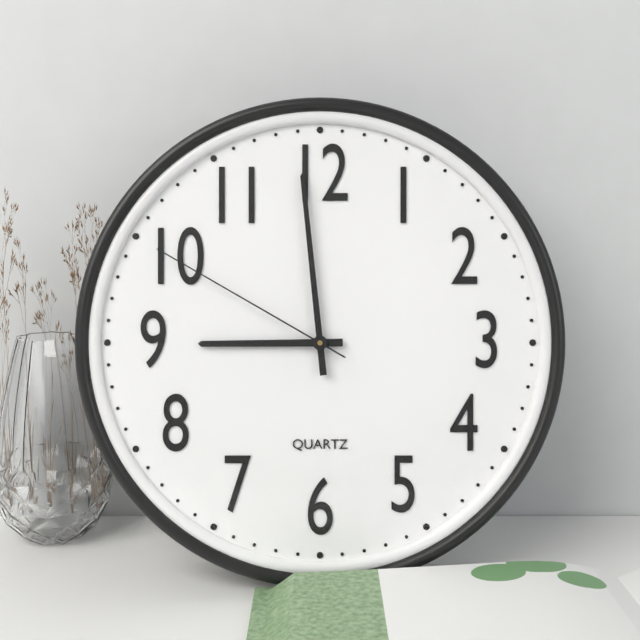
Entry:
8.59.50
